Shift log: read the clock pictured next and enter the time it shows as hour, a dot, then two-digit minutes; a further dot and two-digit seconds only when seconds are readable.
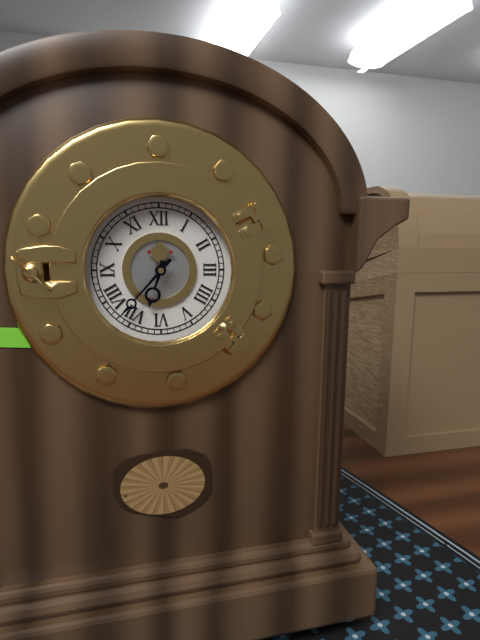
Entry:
6.37
